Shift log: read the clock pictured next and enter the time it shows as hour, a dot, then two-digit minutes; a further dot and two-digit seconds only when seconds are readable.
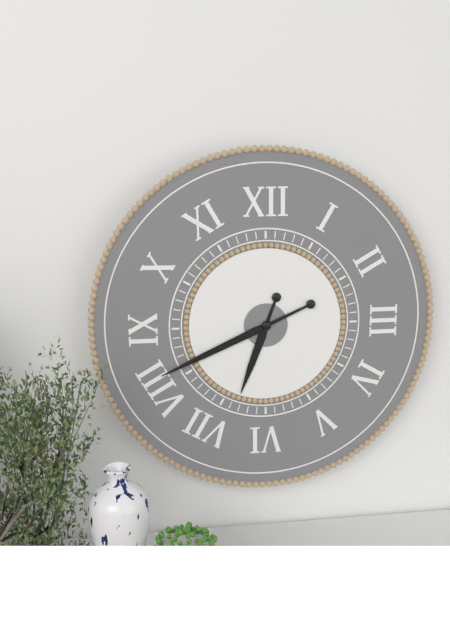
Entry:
6.41
